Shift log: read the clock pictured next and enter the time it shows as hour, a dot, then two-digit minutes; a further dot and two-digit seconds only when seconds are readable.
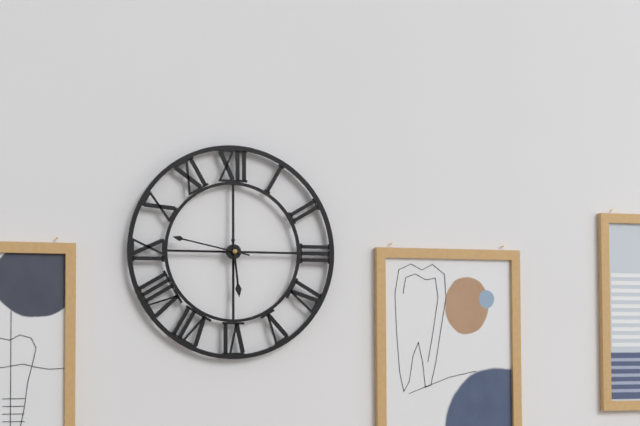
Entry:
5.47
